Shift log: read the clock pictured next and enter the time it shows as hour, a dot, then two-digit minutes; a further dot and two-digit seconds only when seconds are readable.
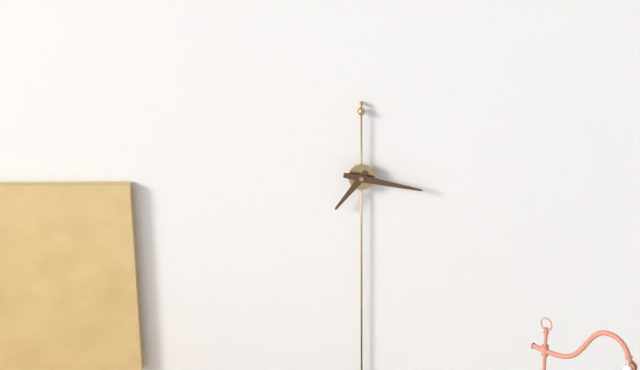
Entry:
7.17
